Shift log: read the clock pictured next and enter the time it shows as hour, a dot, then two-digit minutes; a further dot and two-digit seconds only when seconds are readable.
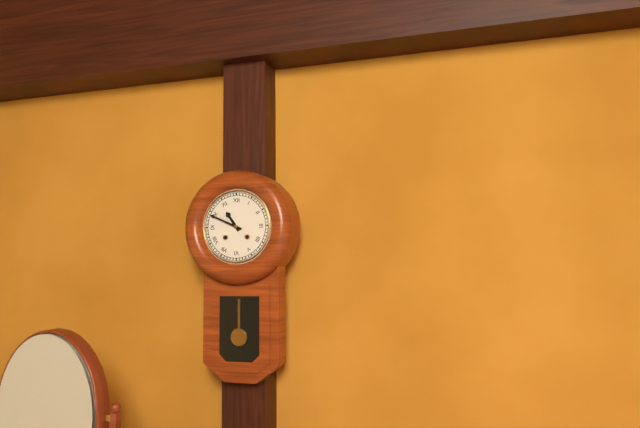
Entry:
10.49
